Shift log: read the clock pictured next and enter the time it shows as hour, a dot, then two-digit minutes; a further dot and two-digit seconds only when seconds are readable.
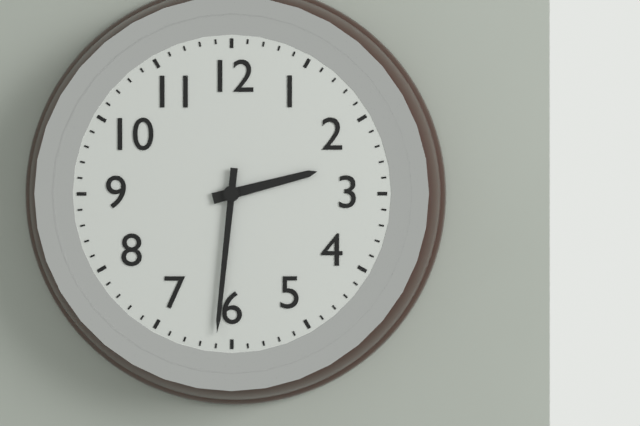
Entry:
2.31
